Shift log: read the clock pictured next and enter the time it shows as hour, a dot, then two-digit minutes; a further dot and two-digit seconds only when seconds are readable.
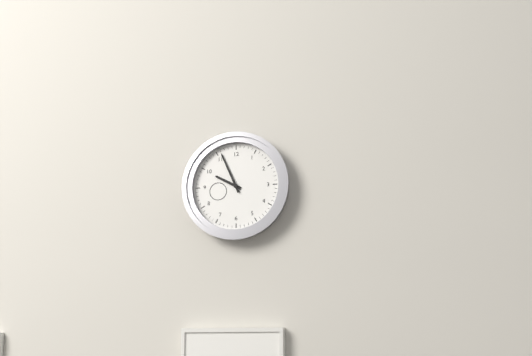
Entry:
9.56
